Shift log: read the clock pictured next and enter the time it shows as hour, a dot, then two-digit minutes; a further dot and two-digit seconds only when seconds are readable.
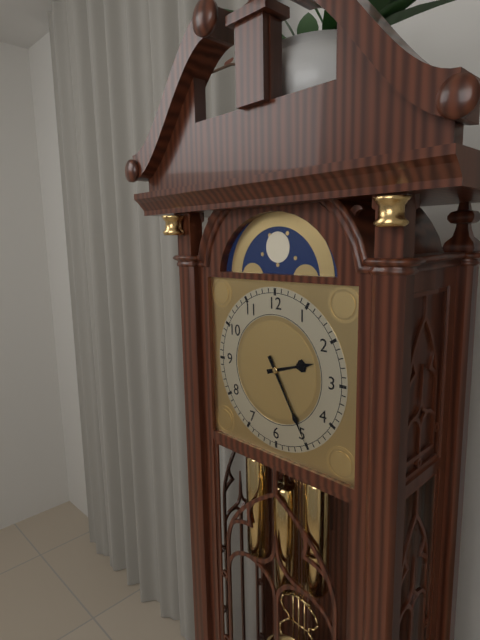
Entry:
2.25
